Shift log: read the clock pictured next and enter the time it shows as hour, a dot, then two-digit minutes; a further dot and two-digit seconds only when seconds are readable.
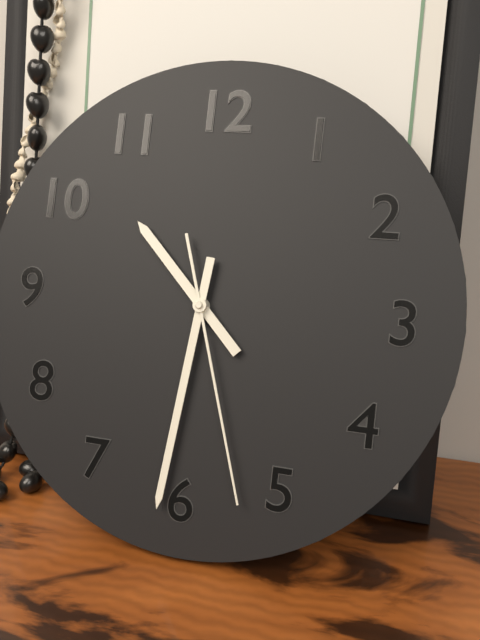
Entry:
10.31.27
